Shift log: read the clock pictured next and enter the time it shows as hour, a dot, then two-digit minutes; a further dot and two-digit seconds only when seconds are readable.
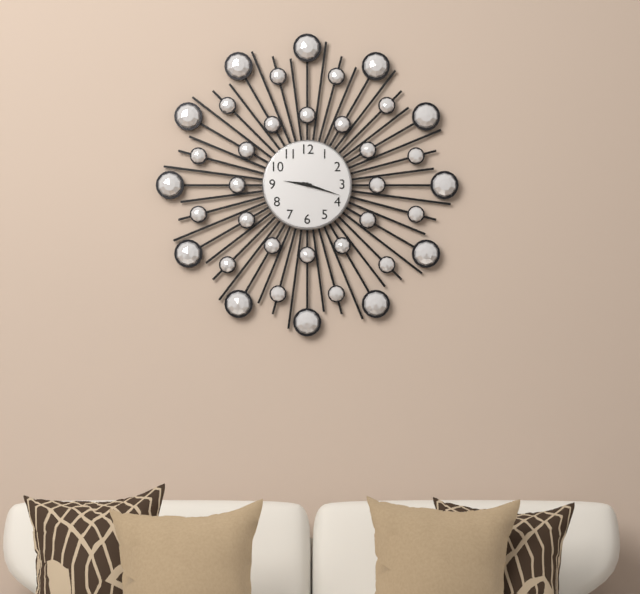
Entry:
9.18
